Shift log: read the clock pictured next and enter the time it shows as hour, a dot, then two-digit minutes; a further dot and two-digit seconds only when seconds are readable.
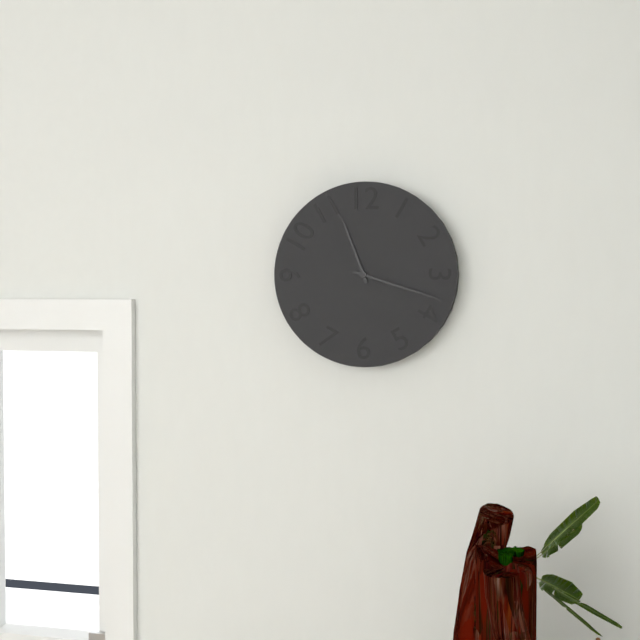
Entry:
11.18
